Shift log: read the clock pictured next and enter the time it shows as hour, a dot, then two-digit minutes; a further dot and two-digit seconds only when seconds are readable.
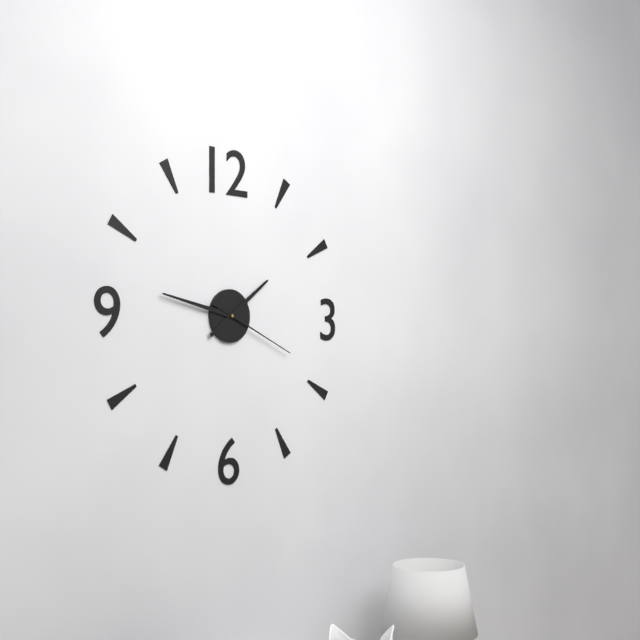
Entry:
1.47.19
